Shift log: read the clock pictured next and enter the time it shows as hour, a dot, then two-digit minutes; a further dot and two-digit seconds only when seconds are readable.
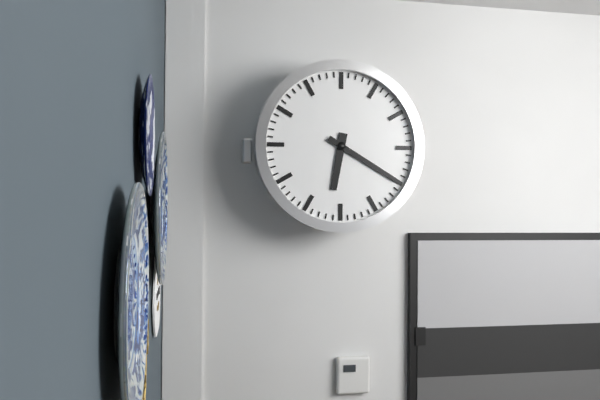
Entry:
6.20
